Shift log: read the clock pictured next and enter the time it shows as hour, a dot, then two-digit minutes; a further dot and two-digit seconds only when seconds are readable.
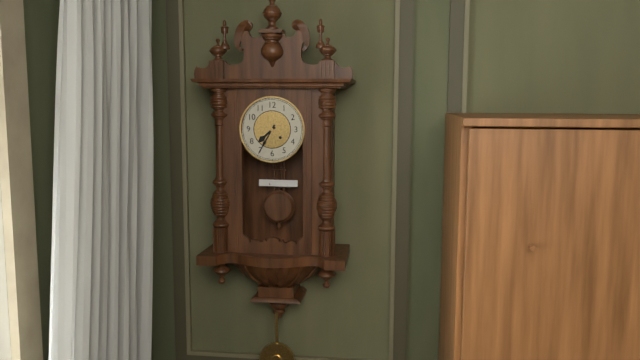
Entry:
7.35
